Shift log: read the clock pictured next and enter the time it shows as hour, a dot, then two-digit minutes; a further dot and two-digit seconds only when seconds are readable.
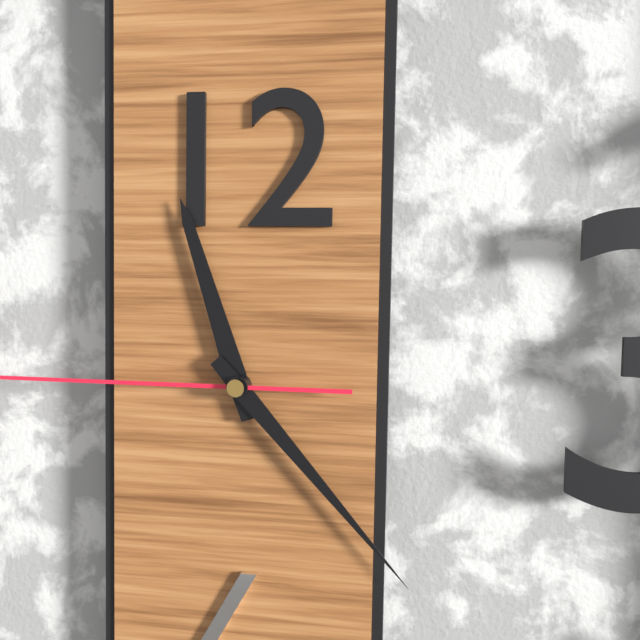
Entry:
11.23
